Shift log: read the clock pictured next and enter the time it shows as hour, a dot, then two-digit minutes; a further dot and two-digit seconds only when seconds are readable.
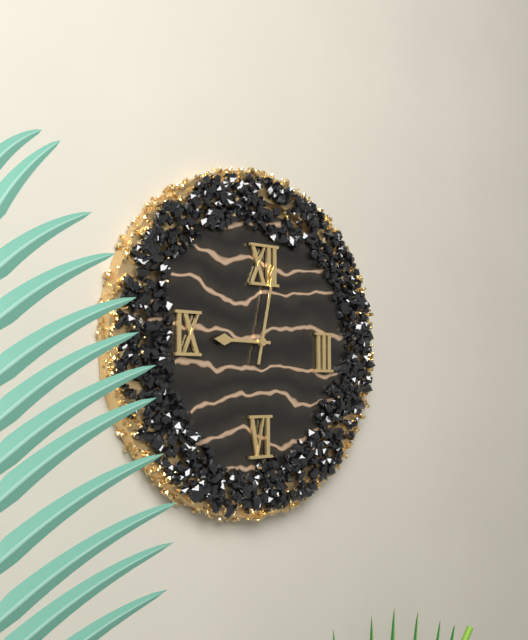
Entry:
9.02
